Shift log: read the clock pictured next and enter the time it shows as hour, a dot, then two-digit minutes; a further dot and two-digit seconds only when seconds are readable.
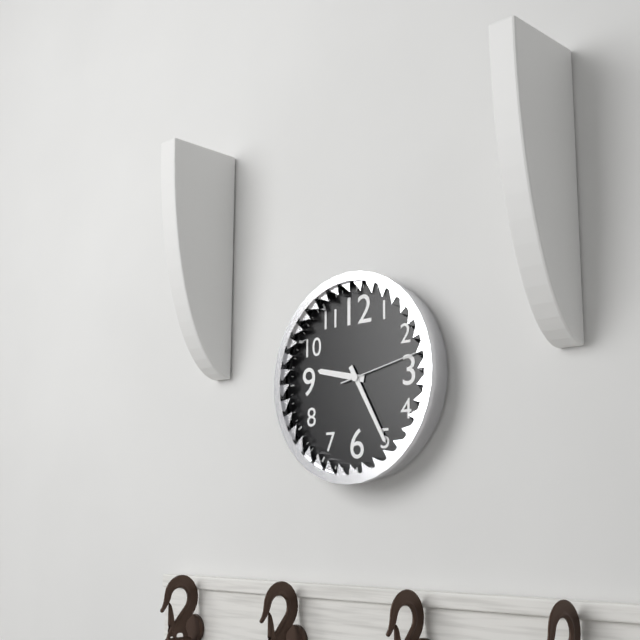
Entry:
9.25.13
